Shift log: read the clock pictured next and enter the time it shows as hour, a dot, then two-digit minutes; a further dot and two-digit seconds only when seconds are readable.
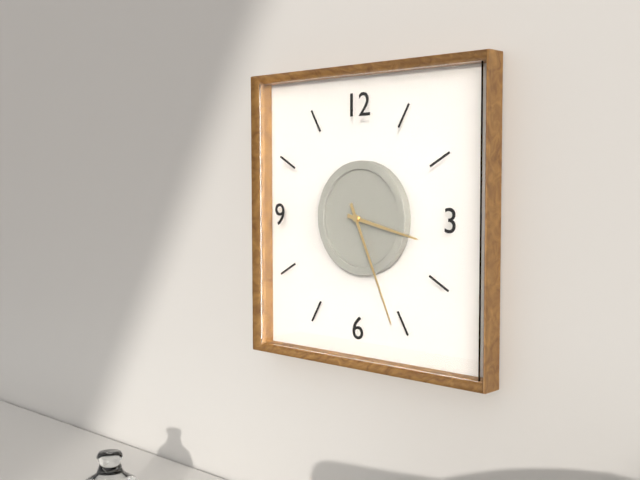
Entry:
3.26
